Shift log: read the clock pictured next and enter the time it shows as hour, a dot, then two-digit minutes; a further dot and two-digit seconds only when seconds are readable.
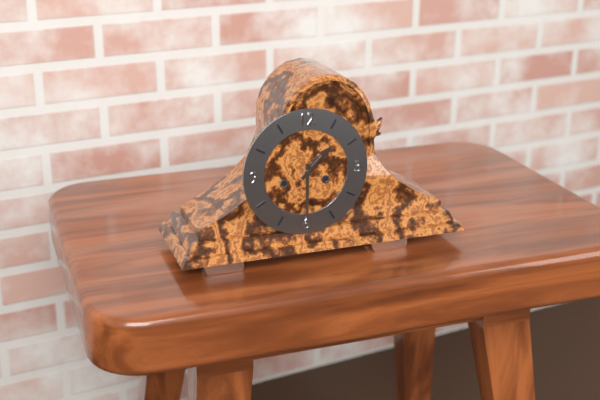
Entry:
1.30
